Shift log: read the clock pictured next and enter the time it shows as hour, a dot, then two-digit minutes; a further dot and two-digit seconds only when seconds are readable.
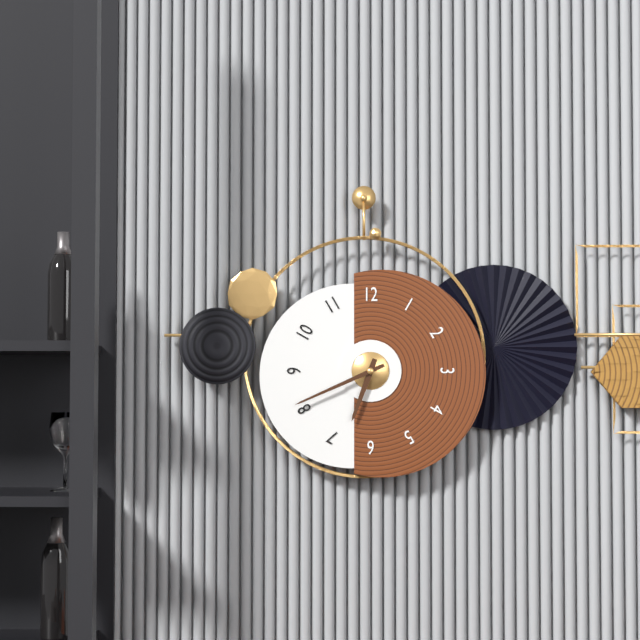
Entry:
6.41
